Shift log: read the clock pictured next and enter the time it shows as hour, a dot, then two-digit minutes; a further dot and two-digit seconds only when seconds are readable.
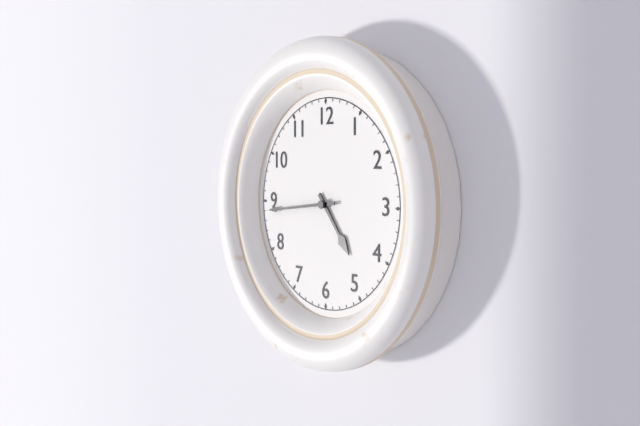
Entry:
4.44
